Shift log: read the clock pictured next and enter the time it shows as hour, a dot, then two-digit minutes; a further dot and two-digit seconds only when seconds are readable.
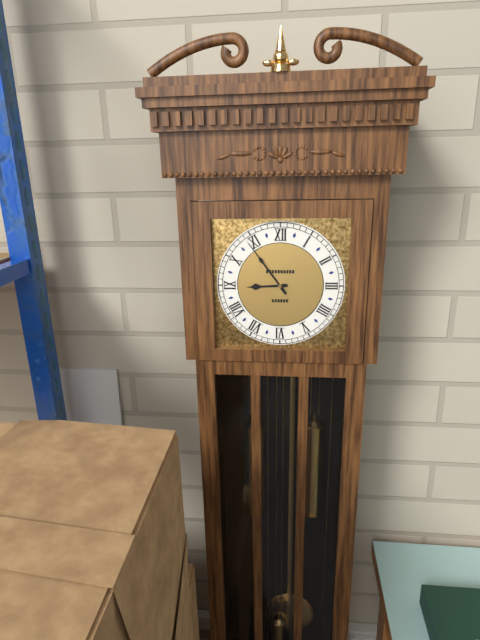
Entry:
8.54
